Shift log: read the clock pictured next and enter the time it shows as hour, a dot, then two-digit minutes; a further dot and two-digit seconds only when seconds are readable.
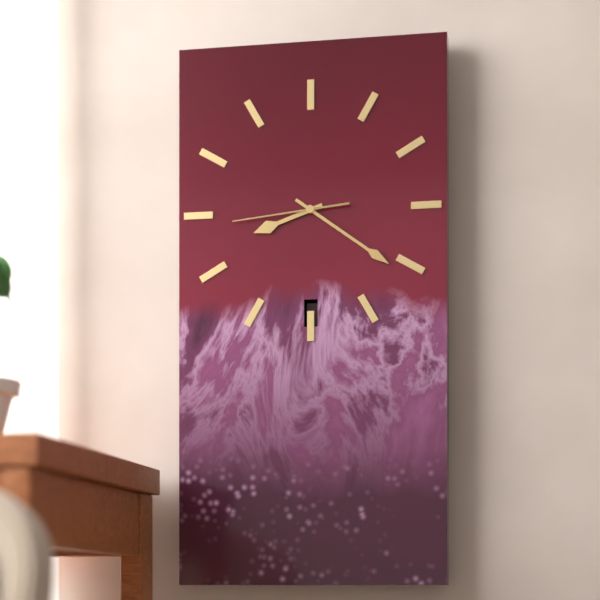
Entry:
8.21.44
